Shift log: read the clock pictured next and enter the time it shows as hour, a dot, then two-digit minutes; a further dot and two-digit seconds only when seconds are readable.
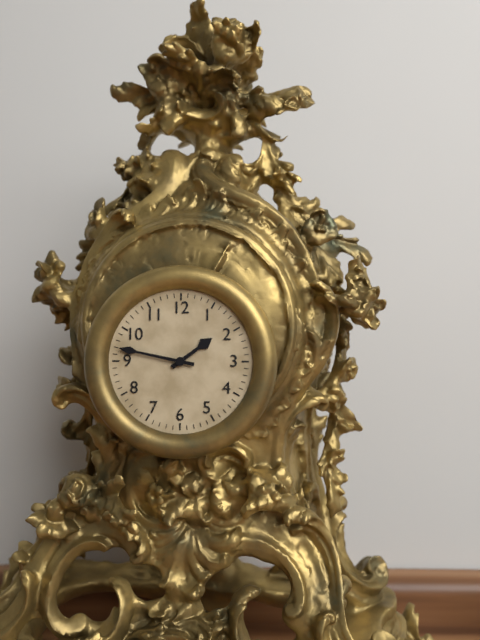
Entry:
1.47
